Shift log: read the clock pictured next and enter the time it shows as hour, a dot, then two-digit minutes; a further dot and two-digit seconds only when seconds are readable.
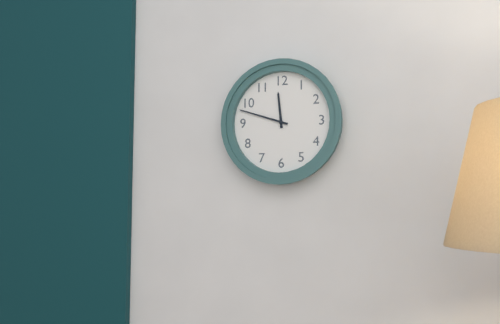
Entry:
11.48
